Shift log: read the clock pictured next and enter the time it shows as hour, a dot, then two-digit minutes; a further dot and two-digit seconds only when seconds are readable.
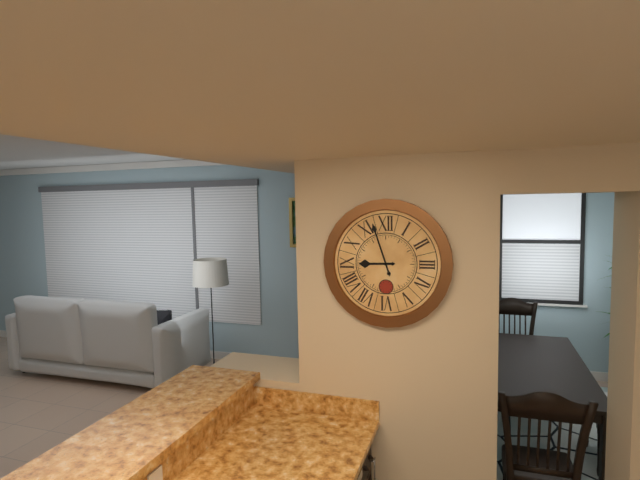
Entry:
8.57
